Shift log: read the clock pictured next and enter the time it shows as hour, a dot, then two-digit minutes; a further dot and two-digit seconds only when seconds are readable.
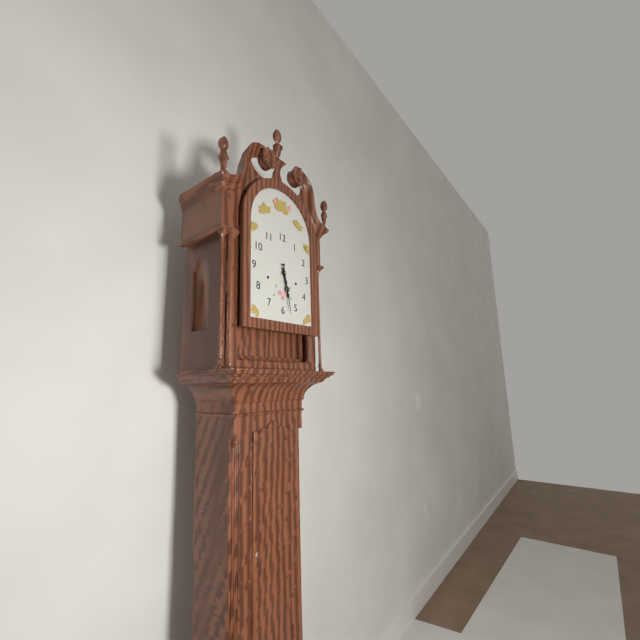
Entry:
5.28
